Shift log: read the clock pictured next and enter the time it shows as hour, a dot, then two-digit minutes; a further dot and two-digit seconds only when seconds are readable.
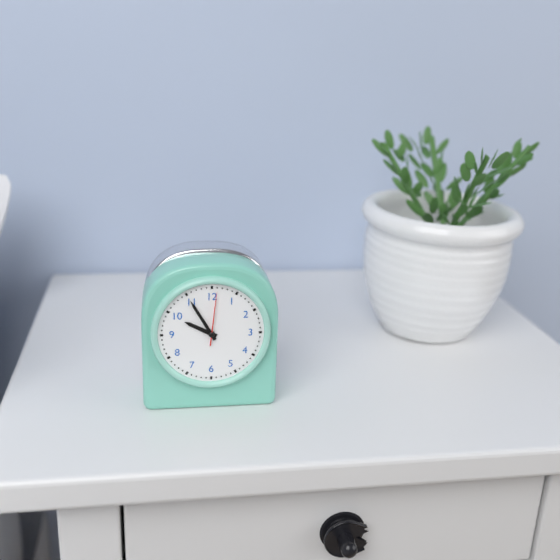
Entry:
9.55.01
